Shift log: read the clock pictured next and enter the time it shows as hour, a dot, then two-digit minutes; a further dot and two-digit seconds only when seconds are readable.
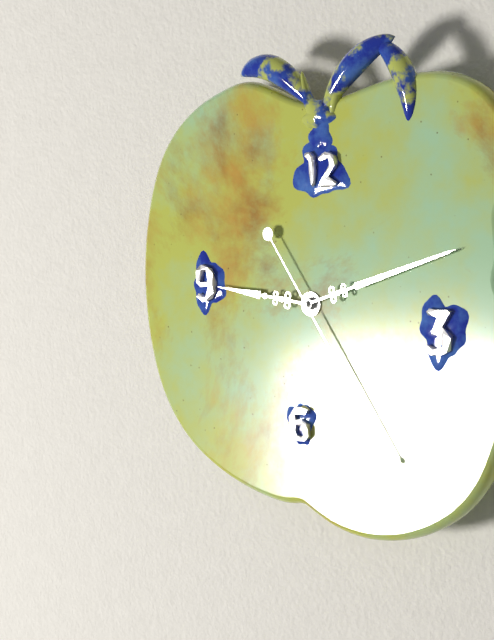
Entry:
9.12.24
